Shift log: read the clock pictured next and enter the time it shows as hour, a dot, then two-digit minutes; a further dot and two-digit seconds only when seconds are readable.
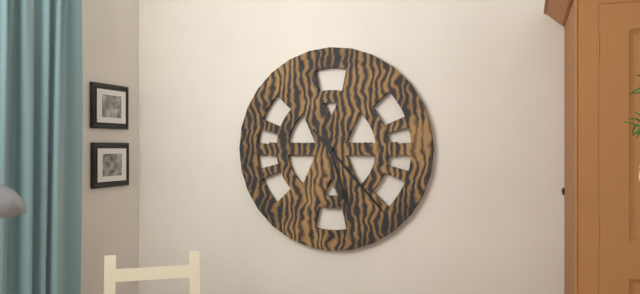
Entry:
5.23
